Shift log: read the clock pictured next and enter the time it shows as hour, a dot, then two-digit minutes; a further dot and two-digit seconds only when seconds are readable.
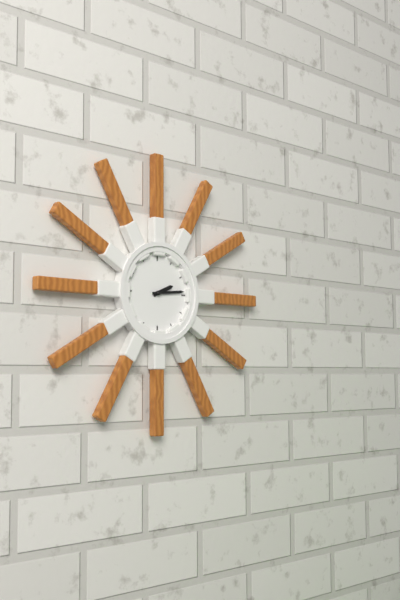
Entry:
2.14
